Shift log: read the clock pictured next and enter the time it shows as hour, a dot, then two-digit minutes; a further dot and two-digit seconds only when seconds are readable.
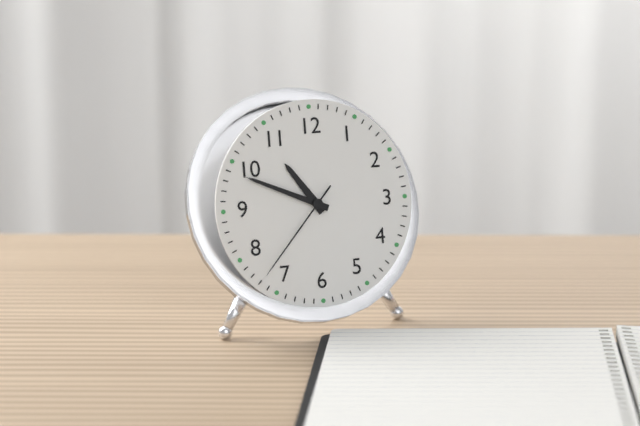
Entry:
10.49.37
